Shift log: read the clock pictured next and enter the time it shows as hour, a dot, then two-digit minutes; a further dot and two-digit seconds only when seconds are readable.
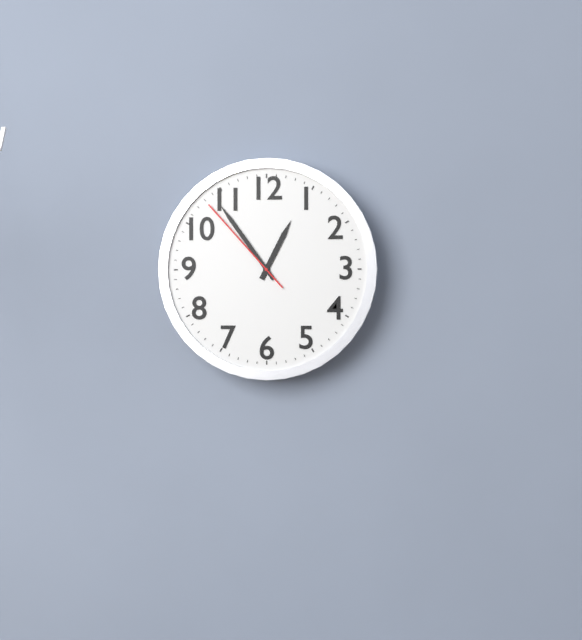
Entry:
12.54.53
